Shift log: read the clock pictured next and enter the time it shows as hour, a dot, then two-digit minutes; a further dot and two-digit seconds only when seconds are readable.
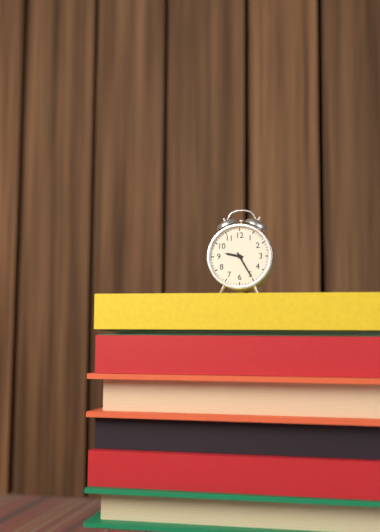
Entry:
9.25
